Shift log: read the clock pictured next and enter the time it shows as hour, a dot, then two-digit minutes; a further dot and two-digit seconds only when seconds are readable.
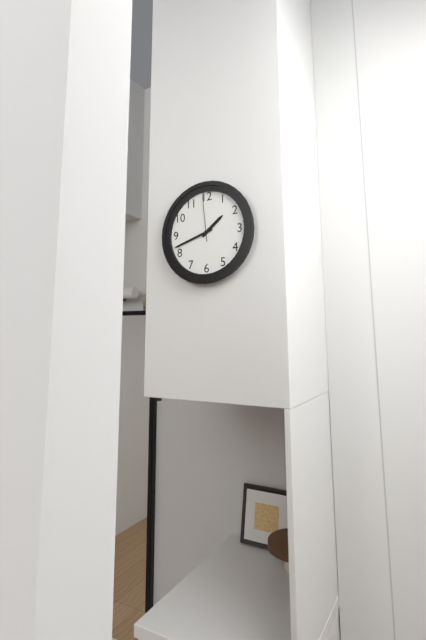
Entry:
1.42
